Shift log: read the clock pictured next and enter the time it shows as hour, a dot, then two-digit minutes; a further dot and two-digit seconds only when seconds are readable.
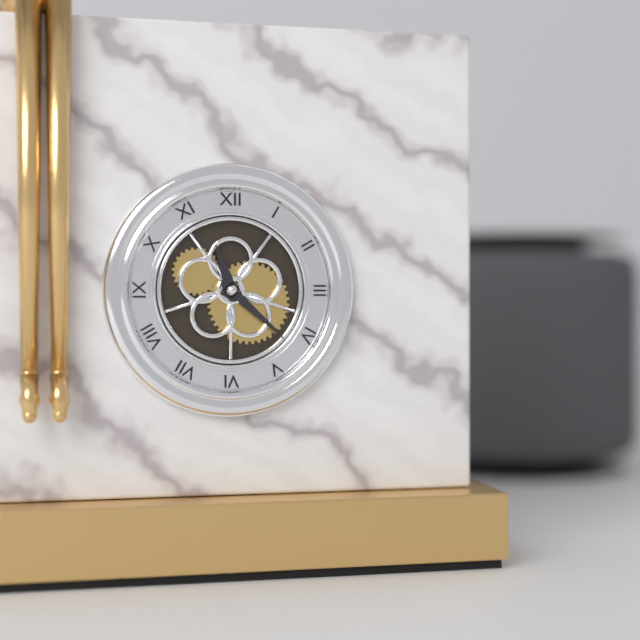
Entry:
11.22
